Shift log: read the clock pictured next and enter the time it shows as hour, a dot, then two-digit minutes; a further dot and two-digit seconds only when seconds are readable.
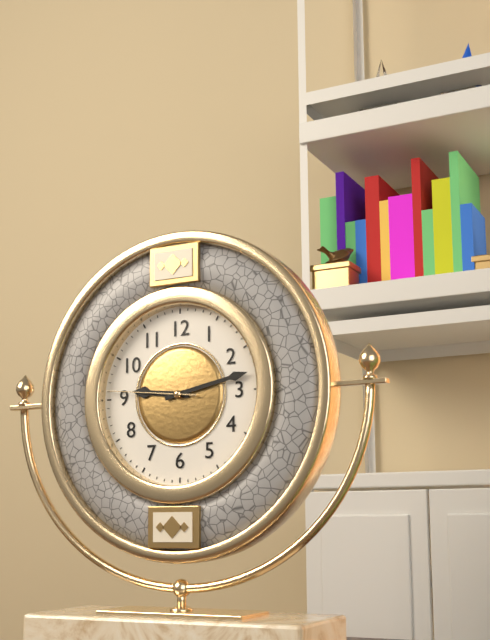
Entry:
9.13.46
